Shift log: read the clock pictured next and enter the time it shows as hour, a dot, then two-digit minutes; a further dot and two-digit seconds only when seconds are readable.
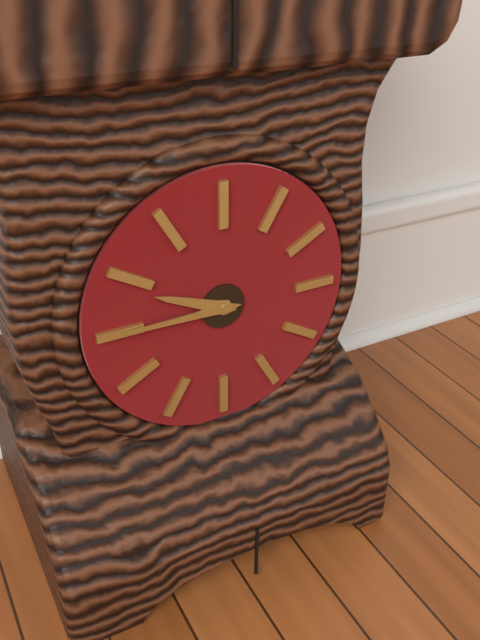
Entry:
9.45
